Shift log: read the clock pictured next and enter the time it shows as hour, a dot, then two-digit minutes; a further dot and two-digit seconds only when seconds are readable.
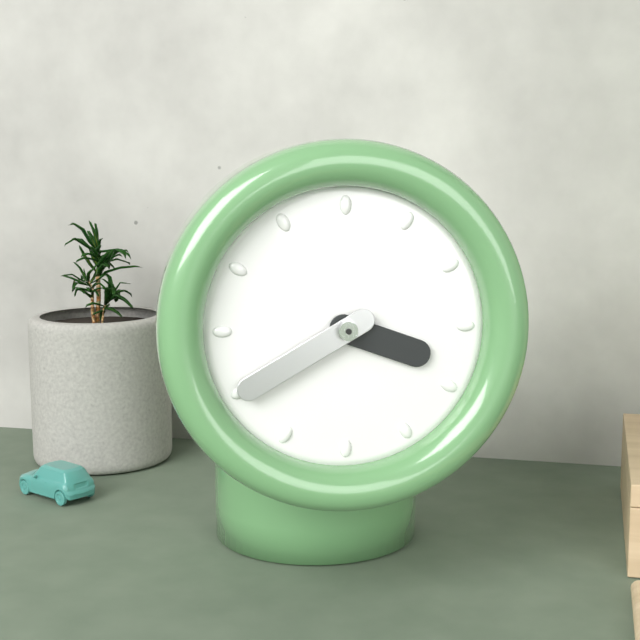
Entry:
3.40
